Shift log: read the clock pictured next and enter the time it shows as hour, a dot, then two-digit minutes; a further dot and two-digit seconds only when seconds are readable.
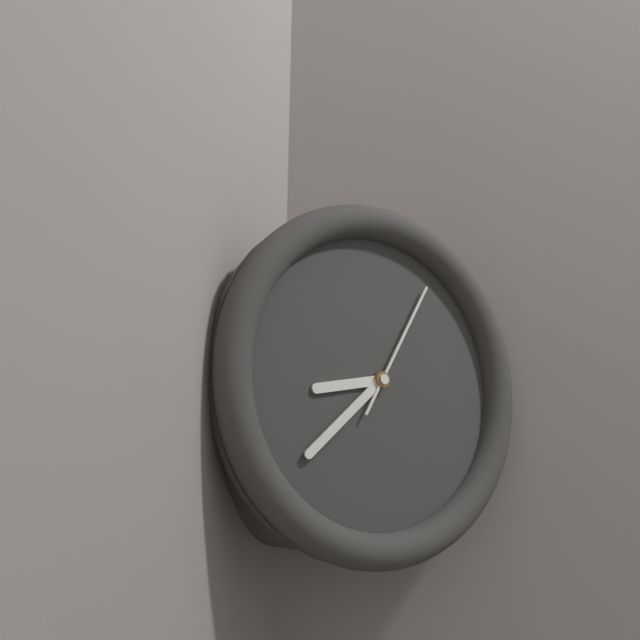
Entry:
8.38.05
